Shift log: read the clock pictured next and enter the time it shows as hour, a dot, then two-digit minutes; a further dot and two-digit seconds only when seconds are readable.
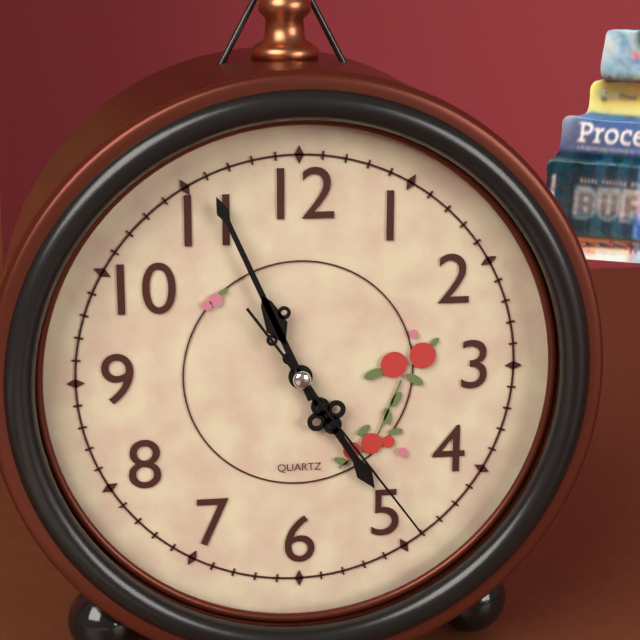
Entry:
4.56.24
